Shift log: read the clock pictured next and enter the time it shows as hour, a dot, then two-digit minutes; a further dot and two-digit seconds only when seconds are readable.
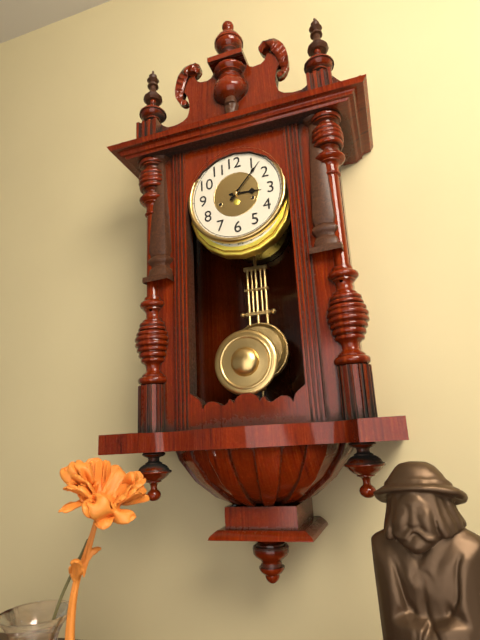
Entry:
3.07
